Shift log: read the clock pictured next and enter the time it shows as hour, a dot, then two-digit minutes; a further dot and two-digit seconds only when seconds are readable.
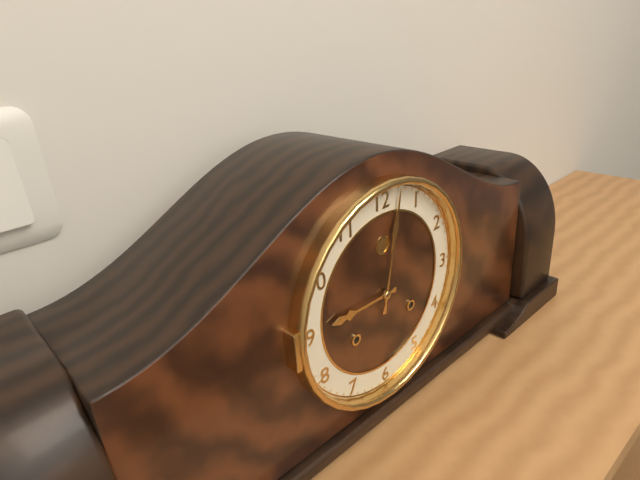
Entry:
9.02
